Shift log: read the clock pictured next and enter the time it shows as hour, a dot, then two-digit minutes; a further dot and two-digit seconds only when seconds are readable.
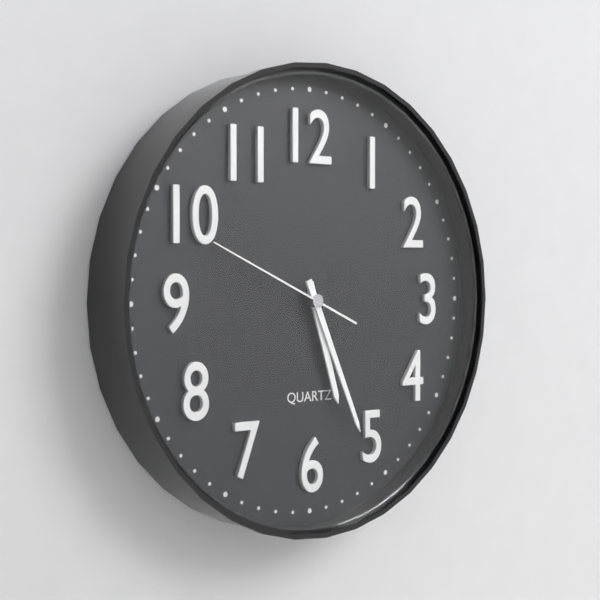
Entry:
5.26.49
